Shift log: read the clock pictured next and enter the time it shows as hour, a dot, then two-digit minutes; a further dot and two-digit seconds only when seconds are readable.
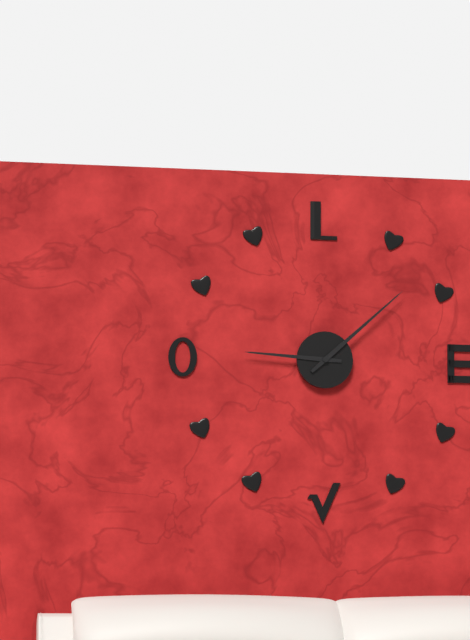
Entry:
9.08
